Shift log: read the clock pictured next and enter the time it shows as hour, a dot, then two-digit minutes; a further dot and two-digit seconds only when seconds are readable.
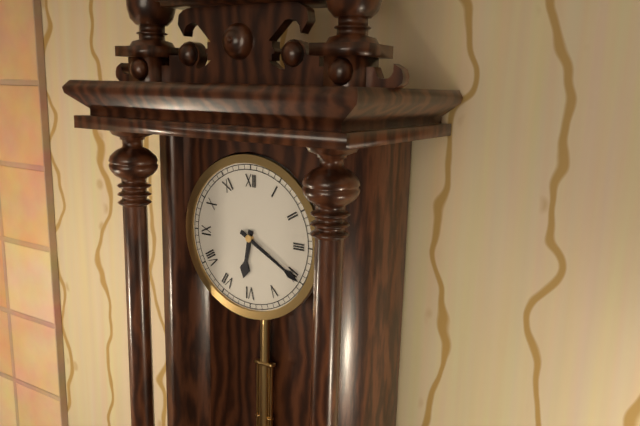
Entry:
6.20
